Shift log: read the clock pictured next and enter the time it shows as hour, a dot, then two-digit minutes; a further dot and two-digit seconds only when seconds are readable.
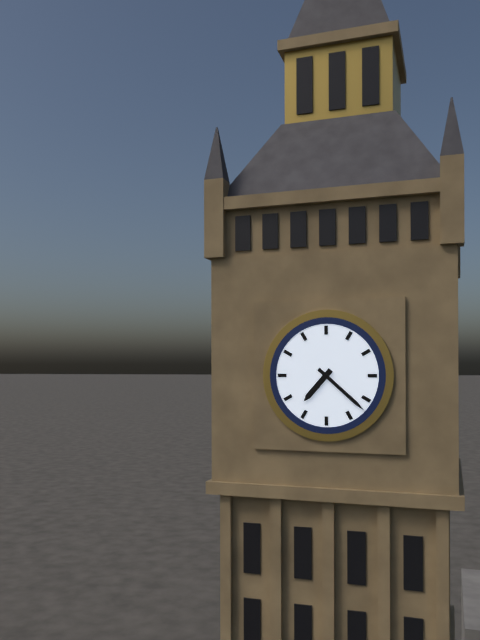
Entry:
7.22
